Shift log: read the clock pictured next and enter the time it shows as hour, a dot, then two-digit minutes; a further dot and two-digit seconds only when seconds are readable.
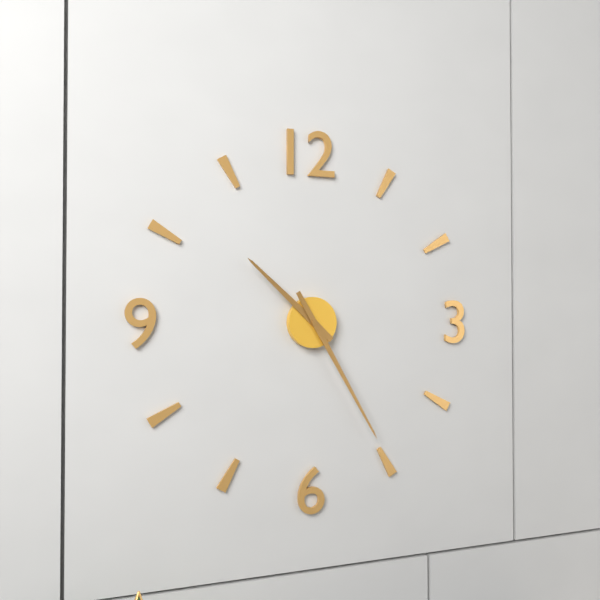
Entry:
10.25
